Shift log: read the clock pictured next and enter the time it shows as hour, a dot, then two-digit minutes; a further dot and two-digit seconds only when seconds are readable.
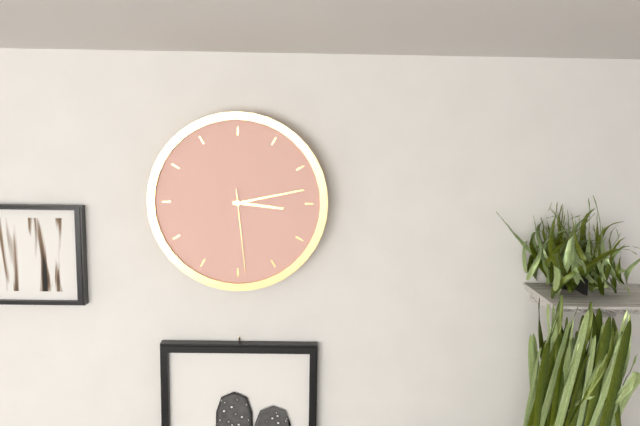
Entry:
3.13.29
